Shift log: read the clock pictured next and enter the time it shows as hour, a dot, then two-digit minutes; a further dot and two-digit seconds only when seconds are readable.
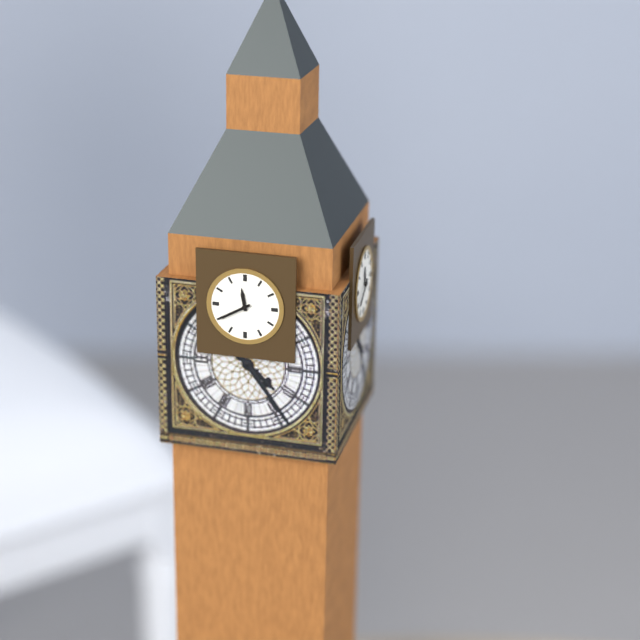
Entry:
11.40
